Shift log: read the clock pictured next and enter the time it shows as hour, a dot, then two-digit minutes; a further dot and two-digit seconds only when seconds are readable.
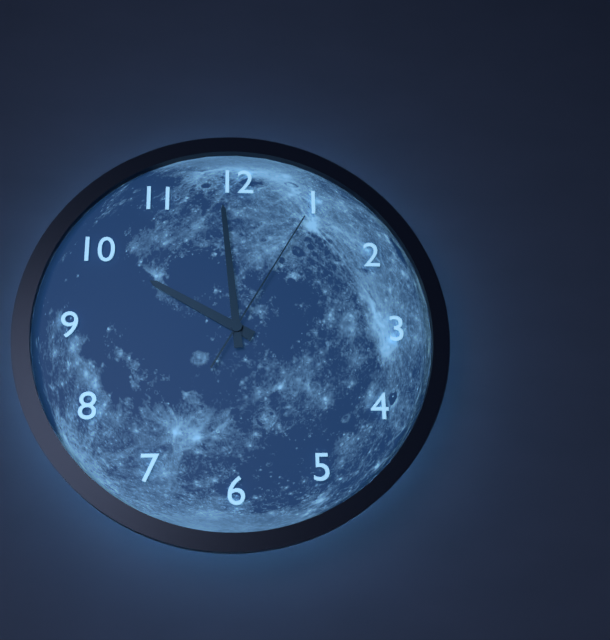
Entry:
9.59.05
